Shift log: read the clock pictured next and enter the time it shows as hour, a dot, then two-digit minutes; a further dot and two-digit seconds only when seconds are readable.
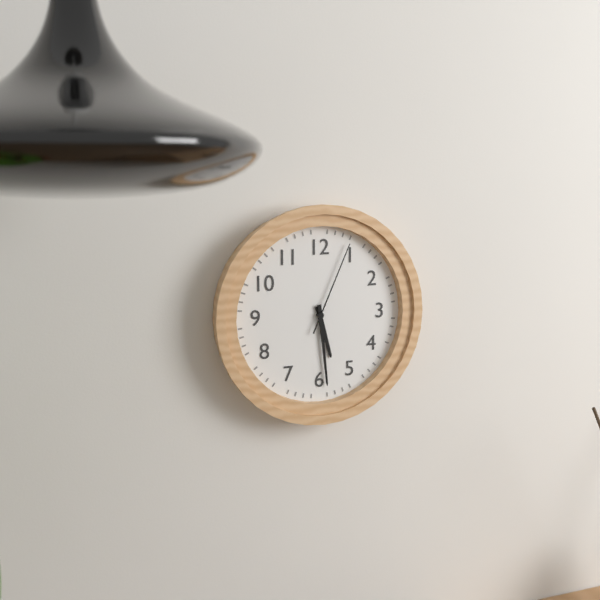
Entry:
5.29.04
